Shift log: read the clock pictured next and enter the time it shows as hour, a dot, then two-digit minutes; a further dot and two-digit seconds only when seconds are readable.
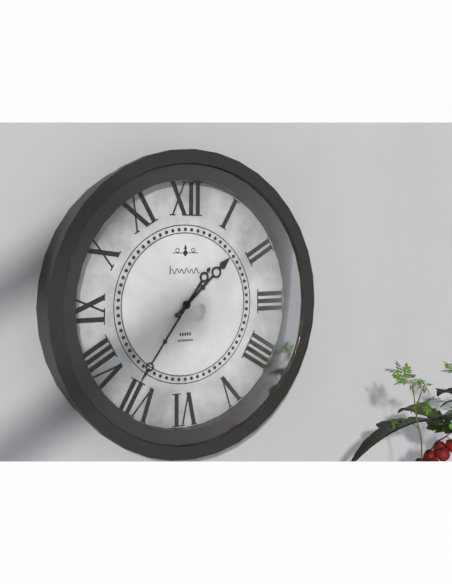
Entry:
1.36
